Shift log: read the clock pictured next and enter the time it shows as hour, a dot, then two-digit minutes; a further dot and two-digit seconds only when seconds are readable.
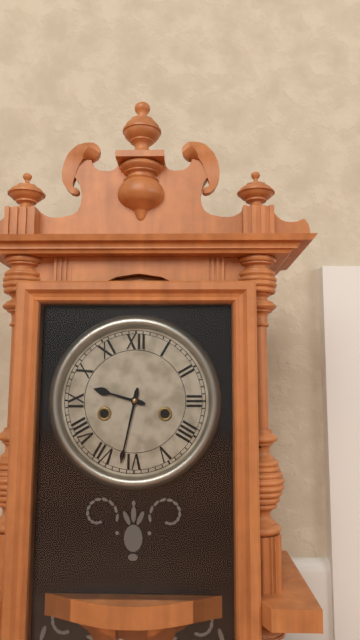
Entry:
9.32
